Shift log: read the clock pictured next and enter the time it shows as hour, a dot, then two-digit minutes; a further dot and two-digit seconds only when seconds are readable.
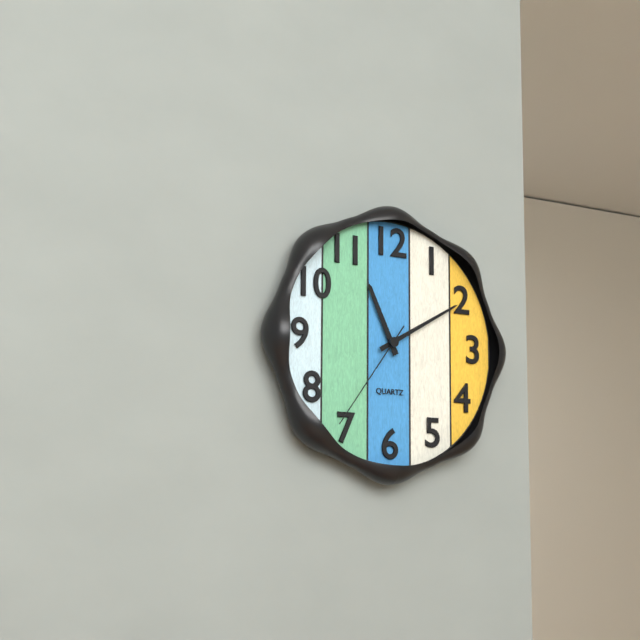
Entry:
11.10.36
